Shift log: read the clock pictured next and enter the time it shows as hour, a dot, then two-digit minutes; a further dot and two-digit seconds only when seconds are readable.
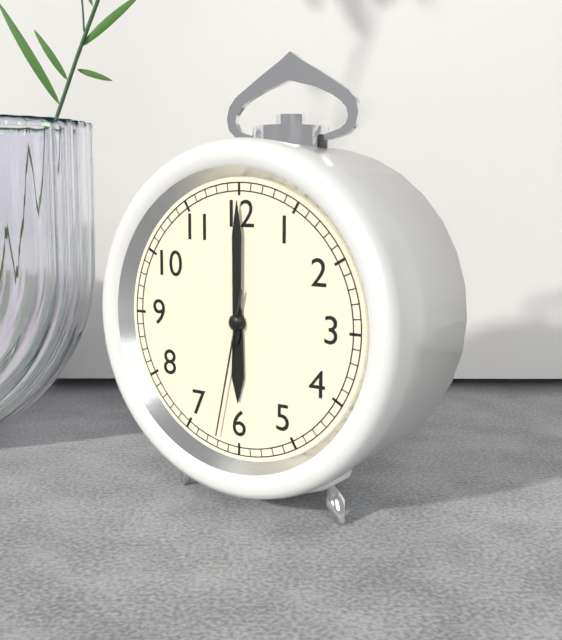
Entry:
6.00.32
